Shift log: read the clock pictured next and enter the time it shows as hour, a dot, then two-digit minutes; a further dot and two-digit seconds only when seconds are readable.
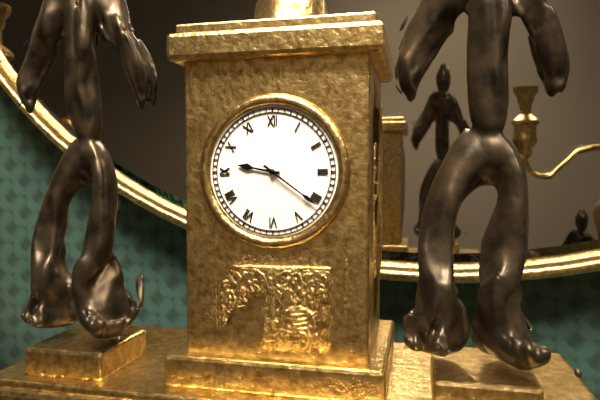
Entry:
9.21
